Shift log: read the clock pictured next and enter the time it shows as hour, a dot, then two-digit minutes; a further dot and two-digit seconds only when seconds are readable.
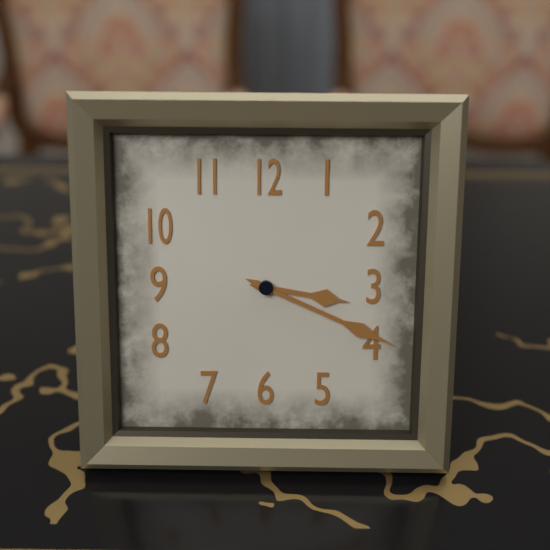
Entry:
3.19
